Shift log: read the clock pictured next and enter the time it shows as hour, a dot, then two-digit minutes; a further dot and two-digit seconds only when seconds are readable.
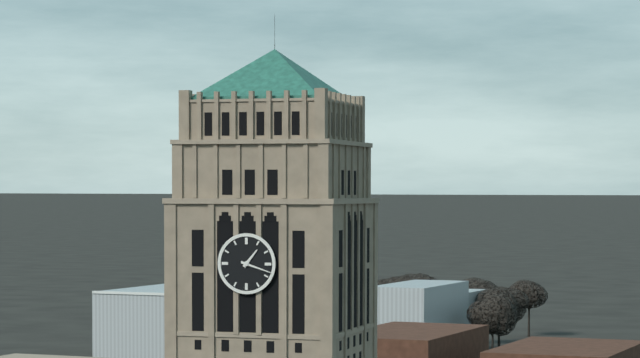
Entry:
1.18
